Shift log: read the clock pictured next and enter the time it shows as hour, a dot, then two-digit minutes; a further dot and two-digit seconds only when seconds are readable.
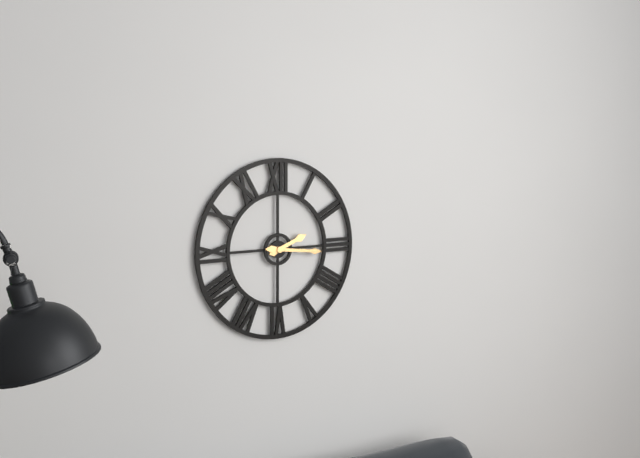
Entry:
2.16
